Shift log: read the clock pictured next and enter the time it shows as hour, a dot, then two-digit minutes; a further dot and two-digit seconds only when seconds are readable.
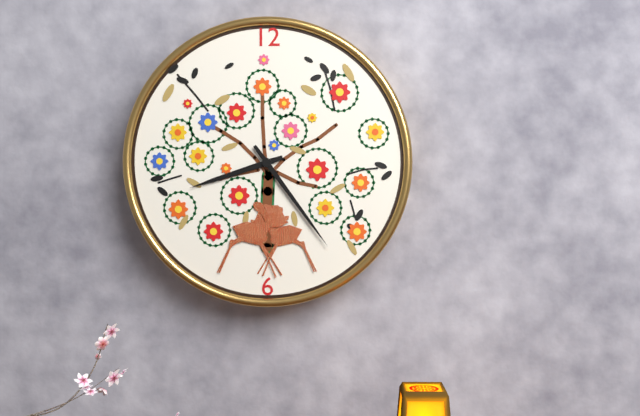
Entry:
8.24
